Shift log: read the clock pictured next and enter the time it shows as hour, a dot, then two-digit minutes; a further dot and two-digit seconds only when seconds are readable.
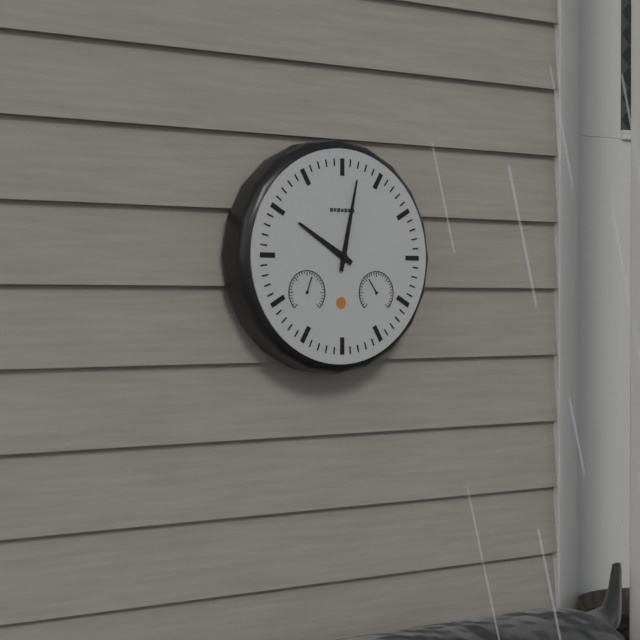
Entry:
10.02
